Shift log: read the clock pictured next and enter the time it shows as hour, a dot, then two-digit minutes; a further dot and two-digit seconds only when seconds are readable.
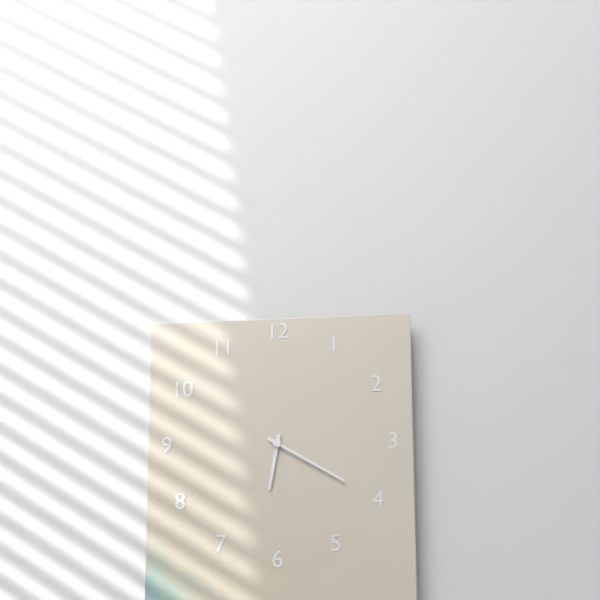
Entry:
6.20
